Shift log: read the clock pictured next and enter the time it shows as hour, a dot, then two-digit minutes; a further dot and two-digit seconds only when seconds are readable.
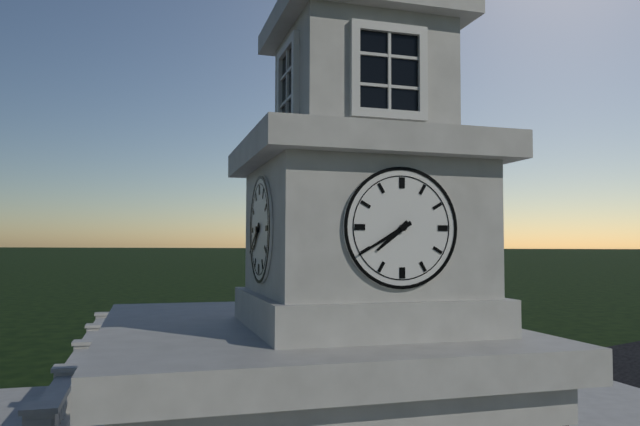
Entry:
7.40
